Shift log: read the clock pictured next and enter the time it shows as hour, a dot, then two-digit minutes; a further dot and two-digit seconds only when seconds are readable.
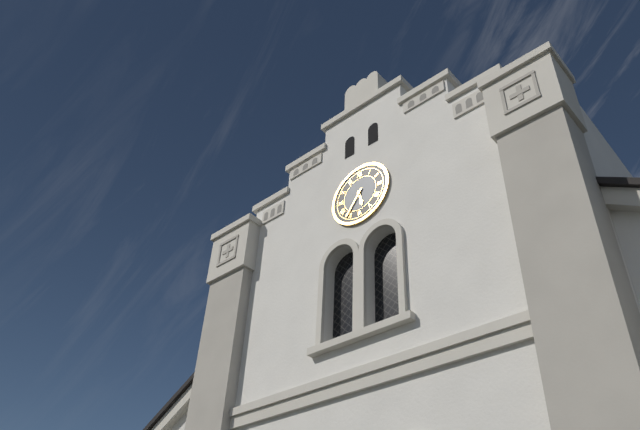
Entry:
5.36
